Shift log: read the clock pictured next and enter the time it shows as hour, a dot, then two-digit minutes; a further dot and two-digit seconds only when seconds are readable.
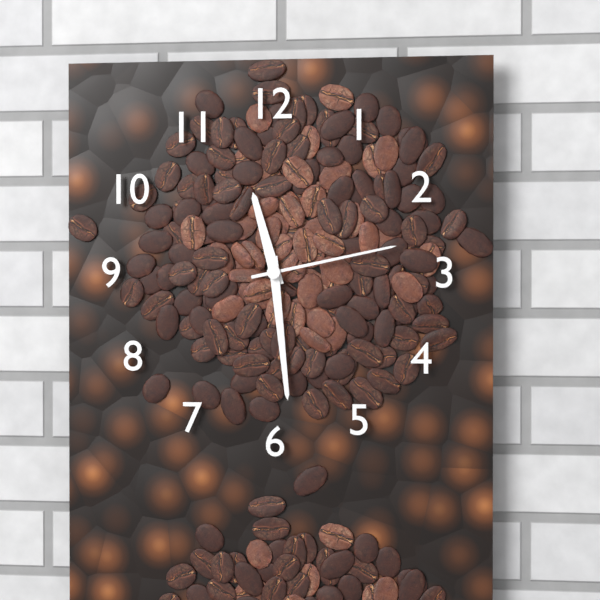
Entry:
11.29.13
